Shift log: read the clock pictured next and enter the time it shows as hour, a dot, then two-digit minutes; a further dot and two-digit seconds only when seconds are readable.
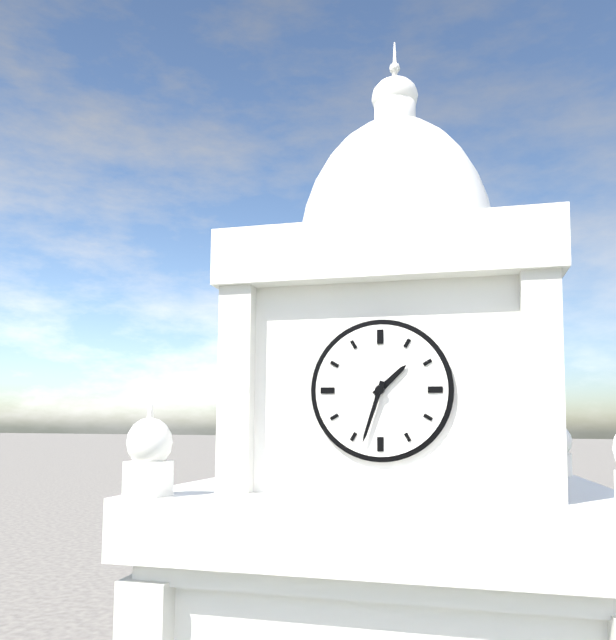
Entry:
1.33
